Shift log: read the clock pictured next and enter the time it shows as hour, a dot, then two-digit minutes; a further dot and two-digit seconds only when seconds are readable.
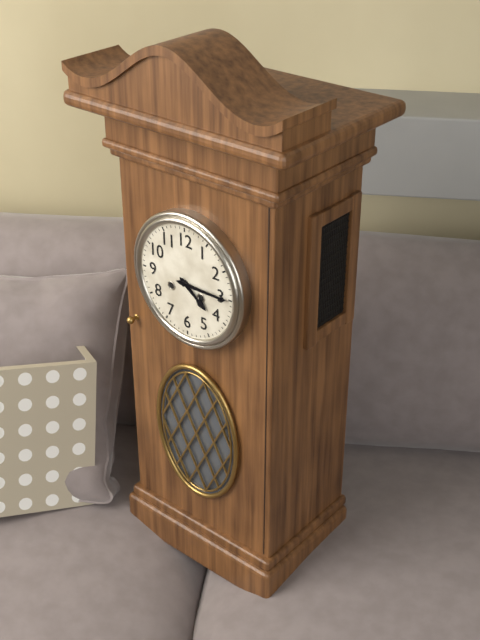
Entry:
4.15
